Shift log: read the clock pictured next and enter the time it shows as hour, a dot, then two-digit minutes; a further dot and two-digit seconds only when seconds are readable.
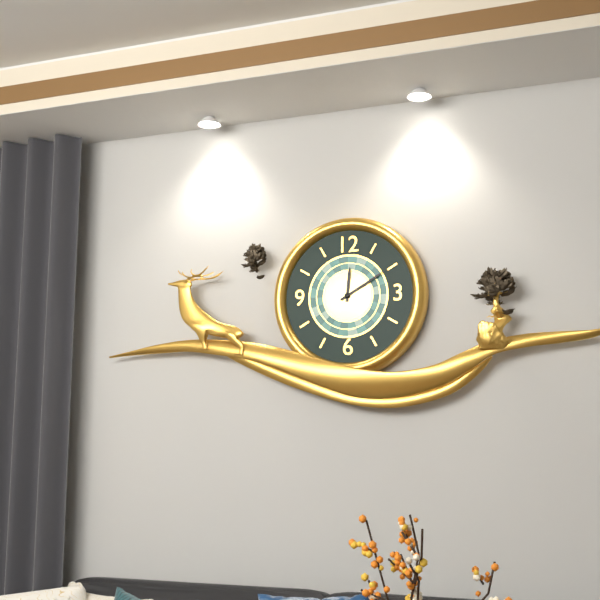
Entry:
12.10
